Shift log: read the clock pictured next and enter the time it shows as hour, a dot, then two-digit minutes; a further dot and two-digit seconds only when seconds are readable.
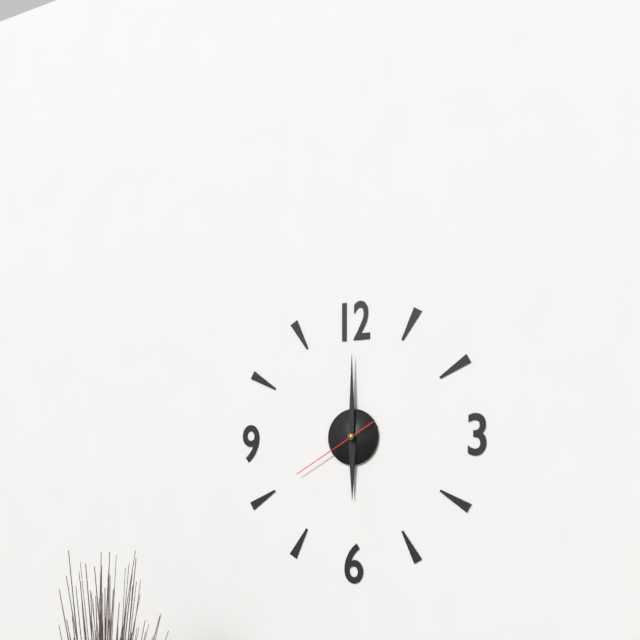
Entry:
6.00.40
